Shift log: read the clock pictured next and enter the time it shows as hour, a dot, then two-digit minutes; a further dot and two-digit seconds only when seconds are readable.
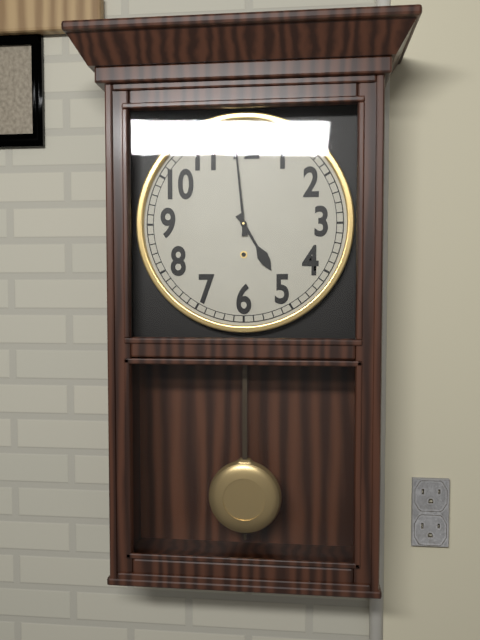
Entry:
4.59
